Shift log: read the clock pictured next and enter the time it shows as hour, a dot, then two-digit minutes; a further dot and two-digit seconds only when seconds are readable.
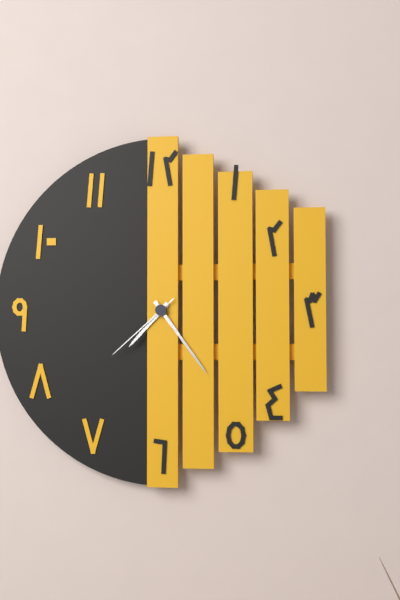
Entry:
7.24.38
